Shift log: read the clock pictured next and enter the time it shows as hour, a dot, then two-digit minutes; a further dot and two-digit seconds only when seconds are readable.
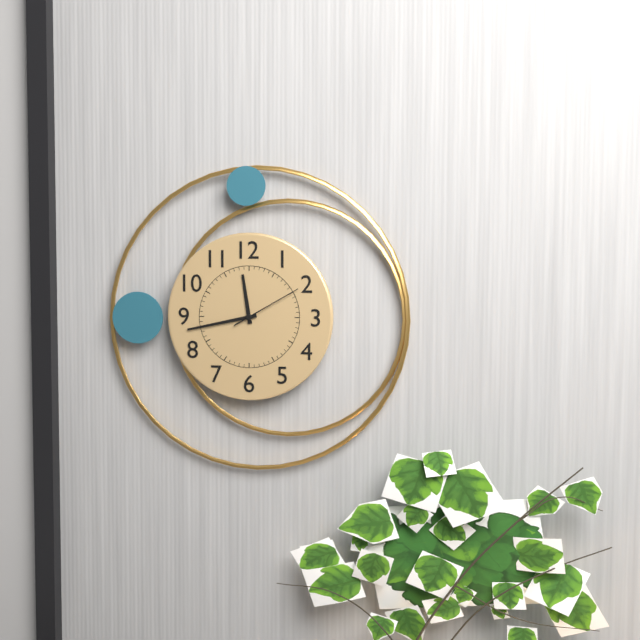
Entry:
11.43.10
